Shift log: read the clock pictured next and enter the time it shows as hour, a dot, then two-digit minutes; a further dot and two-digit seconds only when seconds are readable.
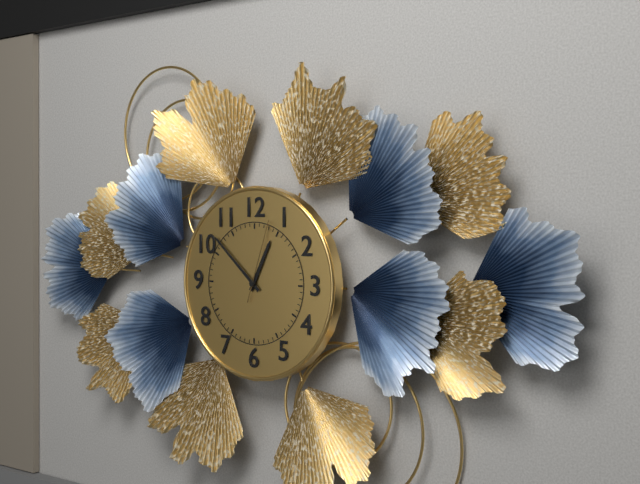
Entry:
12.52.03
